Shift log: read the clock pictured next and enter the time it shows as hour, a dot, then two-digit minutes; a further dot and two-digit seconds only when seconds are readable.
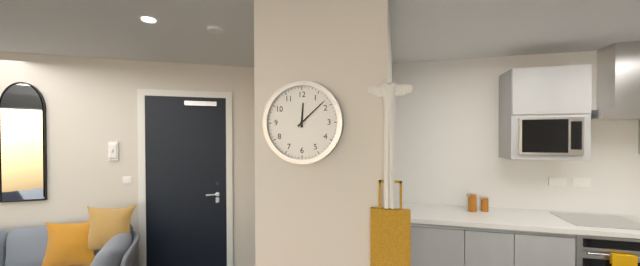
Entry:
12.08
